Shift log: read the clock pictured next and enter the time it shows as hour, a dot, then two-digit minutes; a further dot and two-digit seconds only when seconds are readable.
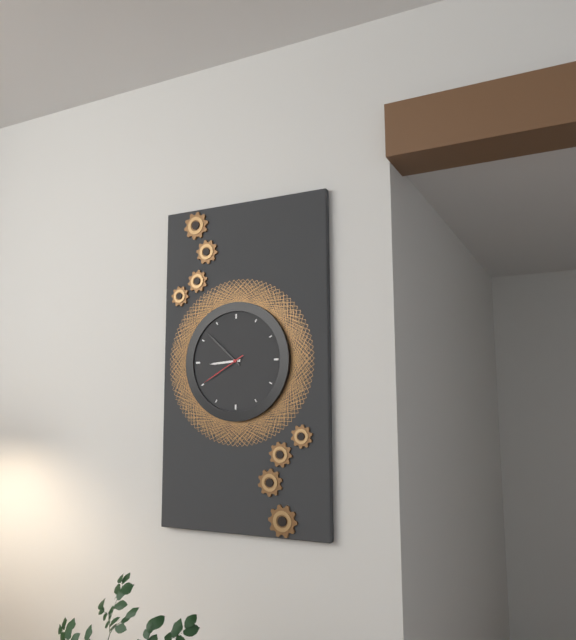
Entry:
8.52.40
